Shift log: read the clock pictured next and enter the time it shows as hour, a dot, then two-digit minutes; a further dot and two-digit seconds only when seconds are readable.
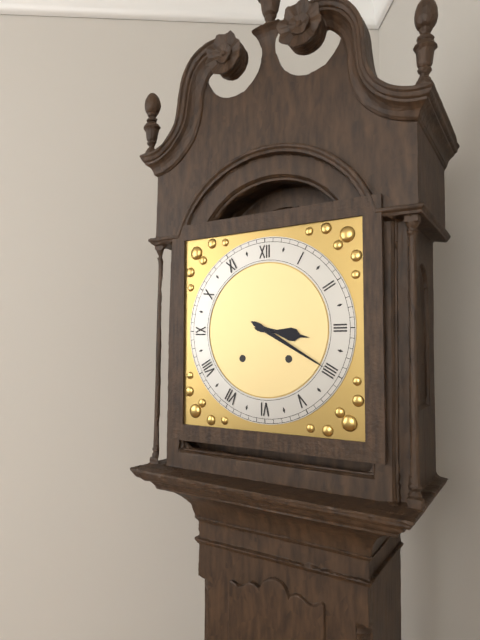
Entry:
3.20
